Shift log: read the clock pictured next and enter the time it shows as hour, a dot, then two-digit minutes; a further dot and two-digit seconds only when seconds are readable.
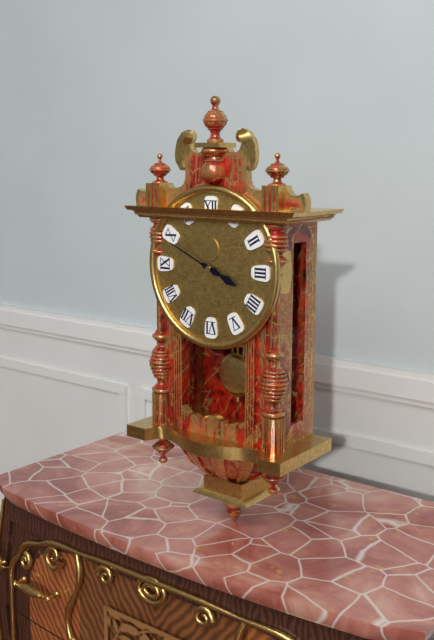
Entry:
3.49
